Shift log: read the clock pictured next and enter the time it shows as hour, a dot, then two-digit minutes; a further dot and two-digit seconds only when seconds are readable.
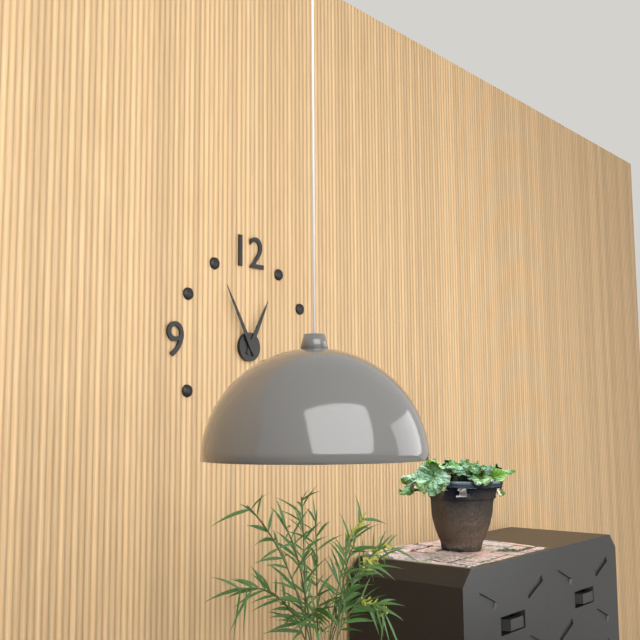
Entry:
12.55
